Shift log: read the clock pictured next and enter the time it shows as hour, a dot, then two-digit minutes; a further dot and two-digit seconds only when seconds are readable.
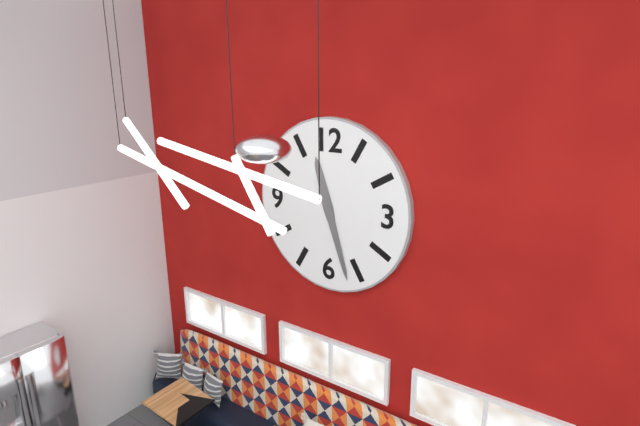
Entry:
11.27
